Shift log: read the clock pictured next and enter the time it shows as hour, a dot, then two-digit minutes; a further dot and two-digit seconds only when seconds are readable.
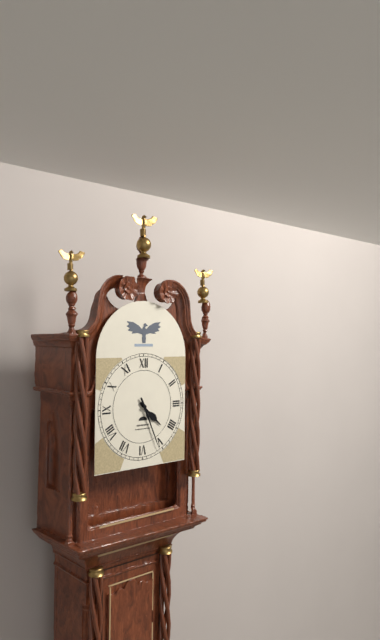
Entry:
4.26
